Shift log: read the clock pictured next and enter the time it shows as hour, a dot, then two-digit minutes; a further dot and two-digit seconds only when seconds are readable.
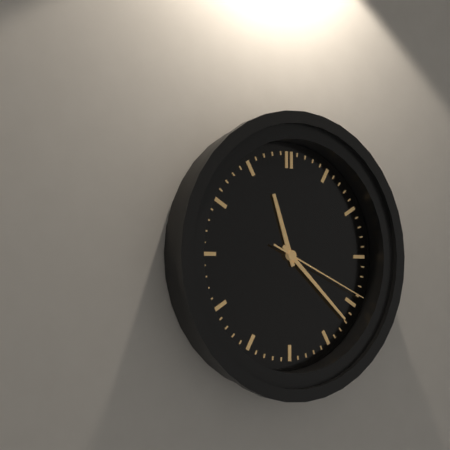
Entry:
11.22.19
